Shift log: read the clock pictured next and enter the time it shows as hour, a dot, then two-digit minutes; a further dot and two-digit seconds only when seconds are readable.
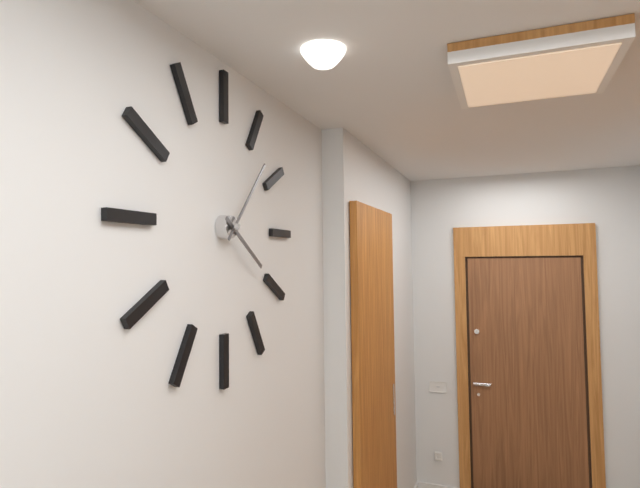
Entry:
4.07
